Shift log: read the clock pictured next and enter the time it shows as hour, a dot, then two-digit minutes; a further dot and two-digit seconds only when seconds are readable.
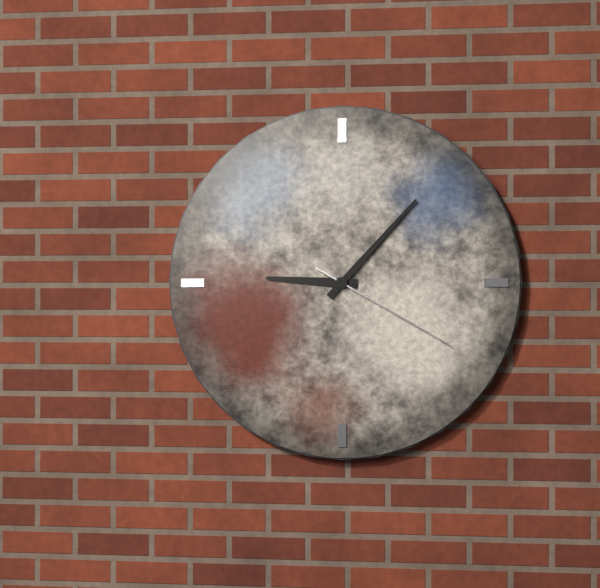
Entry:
9.07.20
